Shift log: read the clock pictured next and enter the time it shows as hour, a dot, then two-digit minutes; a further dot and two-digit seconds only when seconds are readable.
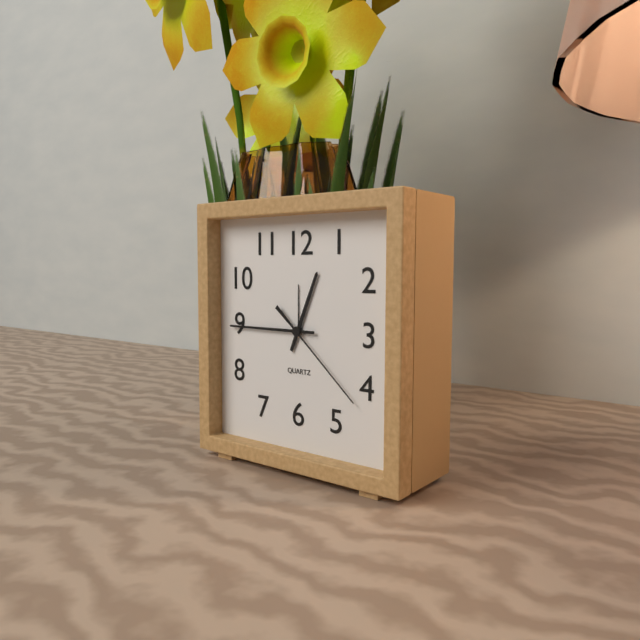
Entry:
12.45.22
